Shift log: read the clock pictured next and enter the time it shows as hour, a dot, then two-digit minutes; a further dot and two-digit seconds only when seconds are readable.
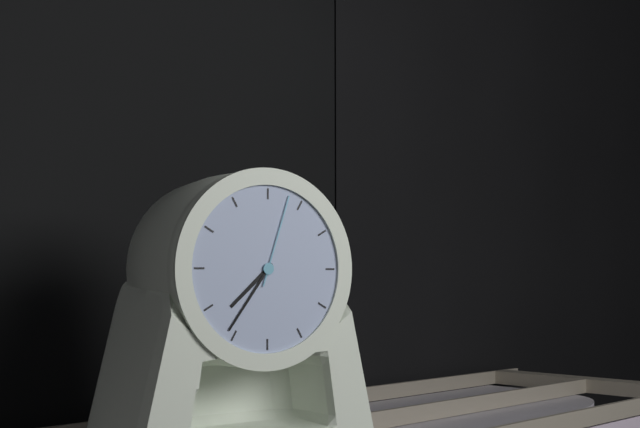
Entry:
7.36.03
